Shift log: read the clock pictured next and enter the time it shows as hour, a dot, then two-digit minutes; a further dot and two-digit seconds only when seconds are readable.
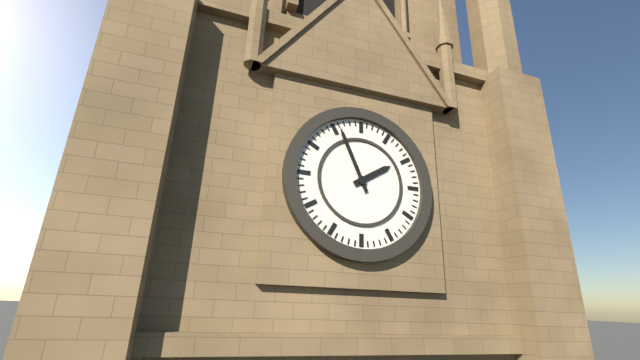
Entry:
1.56
